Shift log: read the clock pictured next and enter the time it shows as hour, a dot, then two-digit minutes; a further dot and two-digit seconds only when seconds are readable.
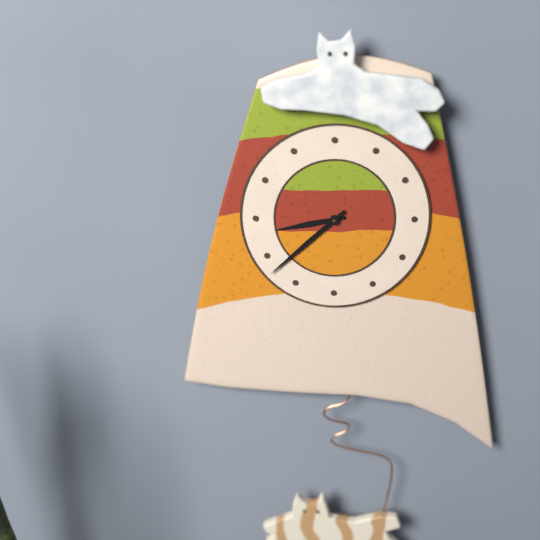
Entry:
8.38
